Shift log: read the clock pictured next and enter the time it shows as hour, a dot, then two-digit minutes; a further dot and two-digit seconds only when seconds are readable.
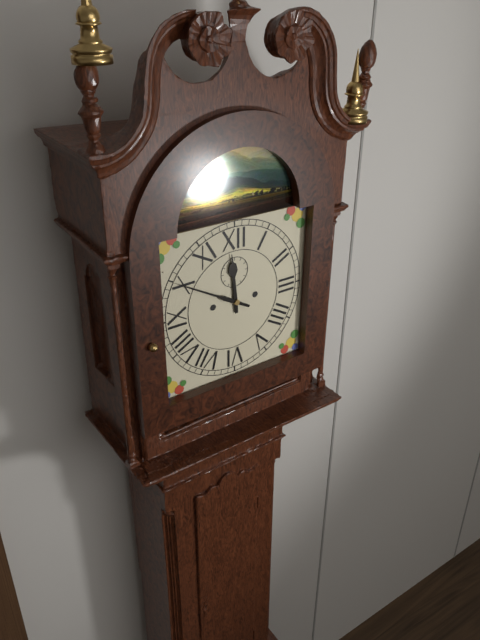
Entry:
11.50
